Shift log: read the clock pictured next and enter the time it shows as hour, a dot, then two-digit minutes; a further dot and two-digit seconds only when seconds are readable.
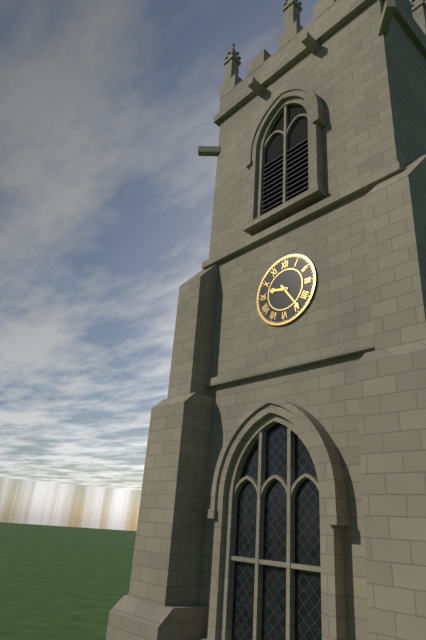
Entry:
9.24
